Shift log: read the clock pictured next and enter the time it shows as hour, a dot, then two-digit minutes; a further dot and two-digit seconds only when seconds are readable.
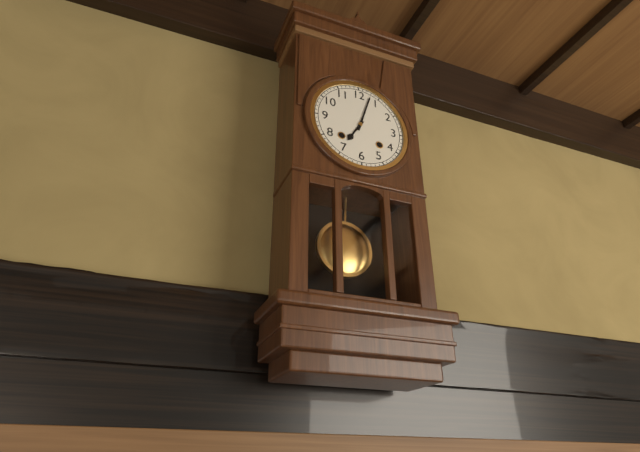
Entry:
7.03
